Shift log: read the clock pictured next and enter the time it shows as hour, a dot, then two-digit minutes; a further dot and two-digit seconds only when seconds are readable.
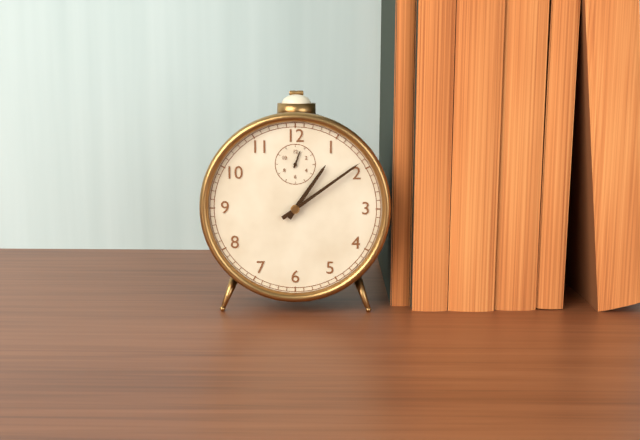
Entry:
1.09
